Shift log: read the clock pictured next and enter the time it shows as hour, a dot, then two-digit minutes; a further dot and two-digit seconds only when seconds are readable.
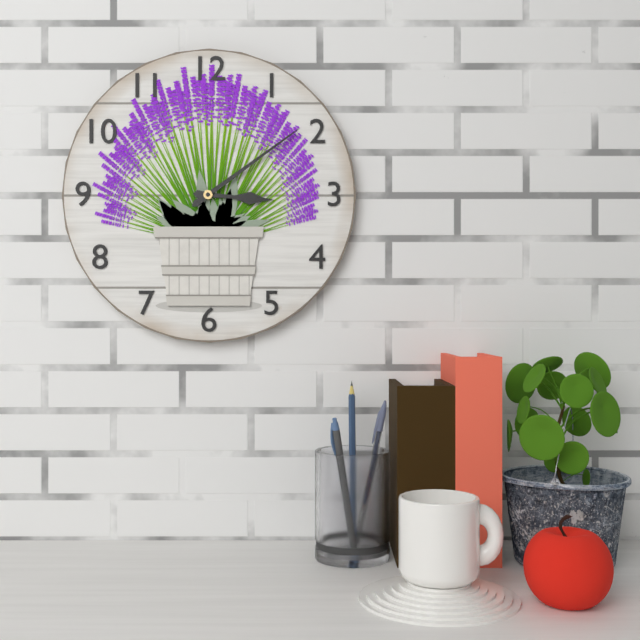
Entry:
3.09
